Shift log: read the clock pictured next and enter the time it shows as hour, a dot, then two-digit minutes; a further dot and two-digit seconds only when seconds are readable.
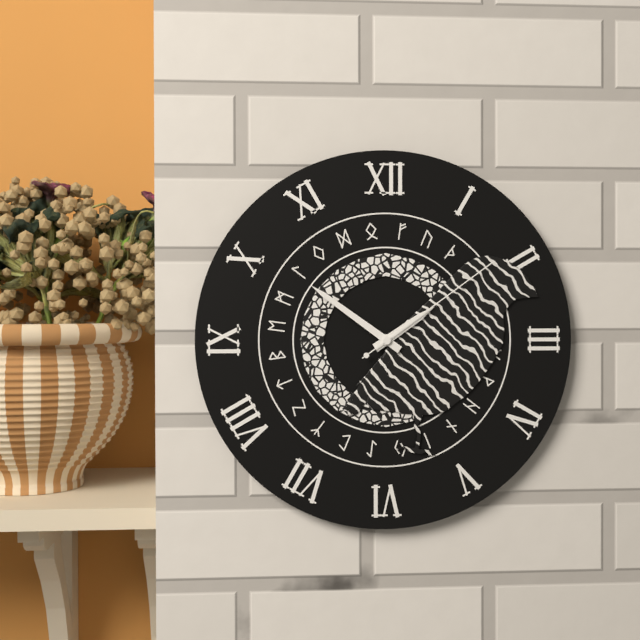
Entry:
1.51.09
